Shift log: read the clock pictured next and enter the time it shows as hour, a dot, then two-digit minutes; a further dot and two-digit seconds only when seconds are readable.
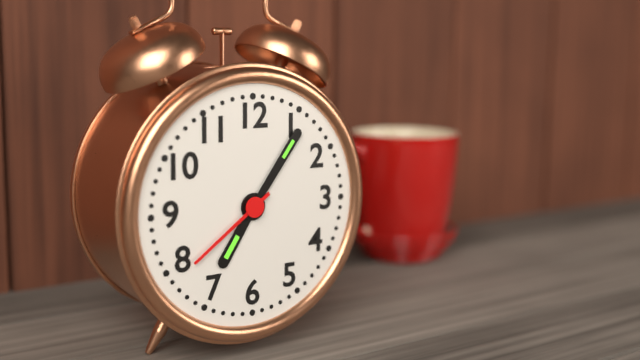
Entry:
7.06.39
